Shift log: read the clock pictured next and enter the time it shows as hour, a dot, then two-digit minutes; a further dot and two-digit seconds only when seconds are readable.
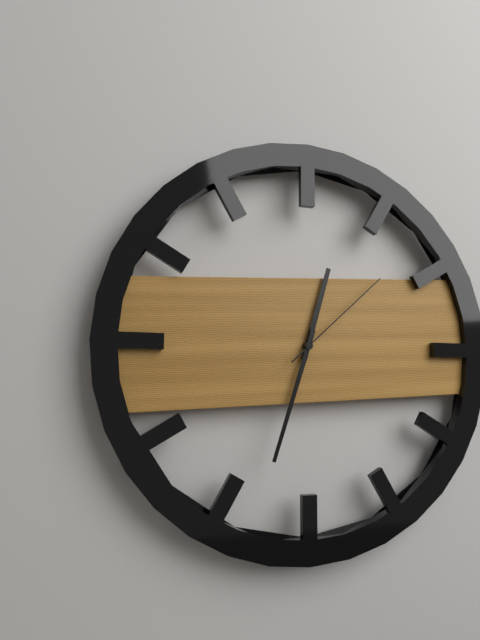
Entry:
12.33.08
